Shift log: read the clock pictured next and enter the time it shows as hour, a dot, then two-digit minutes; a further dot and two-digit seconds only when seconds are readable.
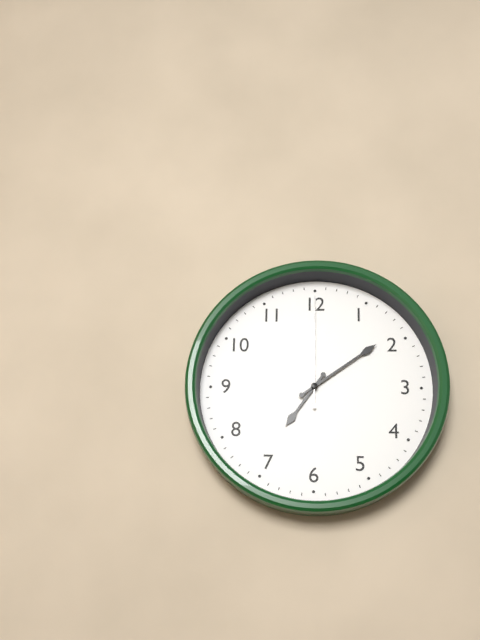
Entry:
7.09.00
